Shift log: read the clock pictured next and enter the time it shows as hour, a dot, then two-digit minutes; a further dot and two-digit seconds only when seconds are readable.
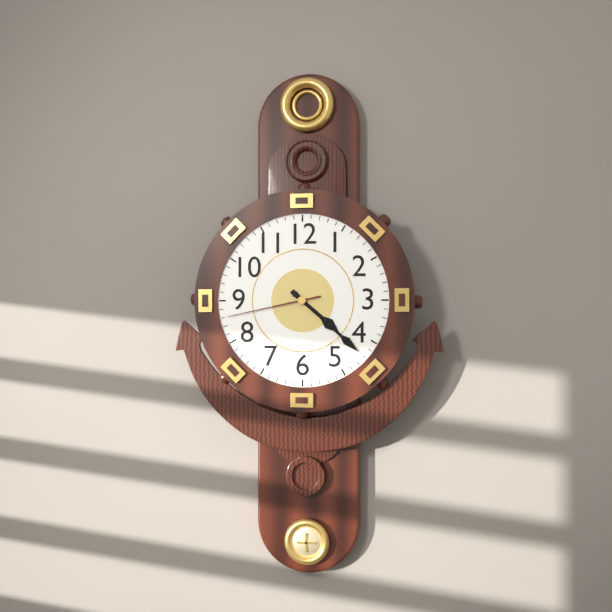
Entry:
4.22.43
